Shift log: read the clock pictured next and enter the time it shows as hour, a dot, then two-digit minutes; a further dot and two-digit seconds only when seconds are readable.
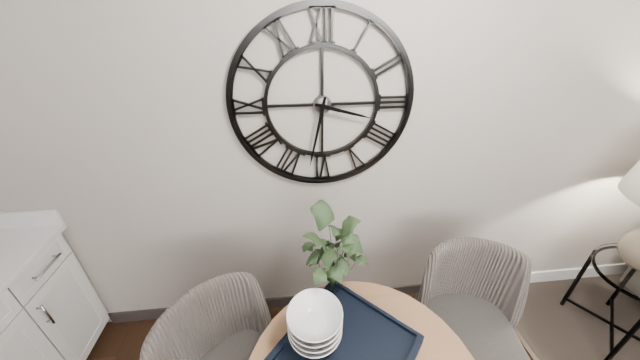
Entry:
3.32
